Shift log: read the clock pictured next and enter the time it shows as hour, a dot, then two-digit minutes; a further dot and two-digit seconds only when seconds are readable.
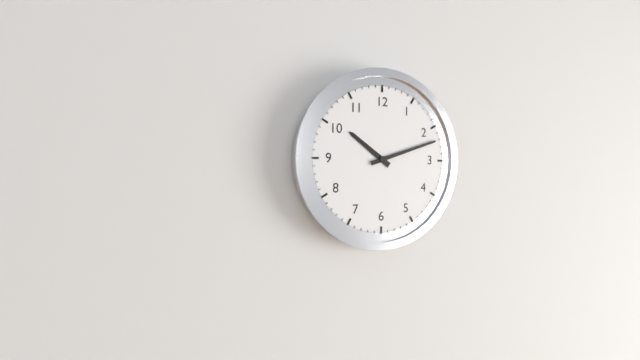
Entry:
10.12
